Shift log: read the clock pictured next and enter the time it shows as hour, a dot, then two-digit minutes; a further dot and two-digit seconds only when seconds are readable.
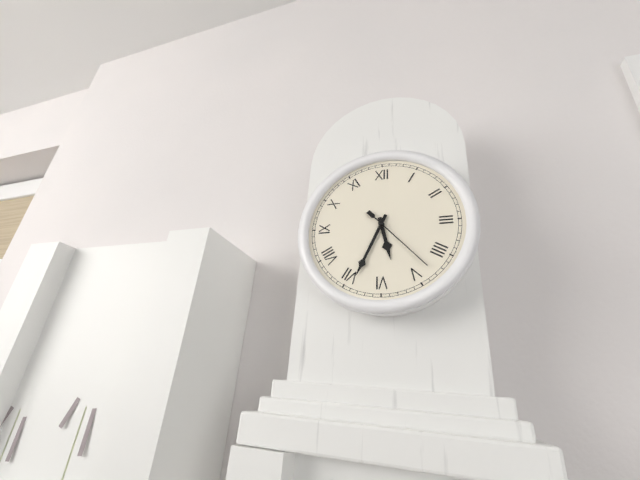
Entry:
5.34.23
